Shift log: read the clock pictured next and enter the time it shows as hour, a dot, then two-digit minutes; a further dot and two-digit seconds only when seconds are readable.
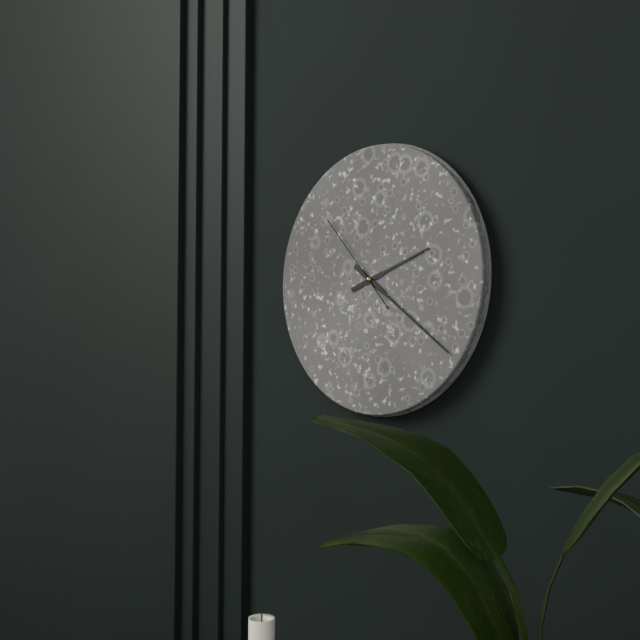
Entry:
2.21.53
